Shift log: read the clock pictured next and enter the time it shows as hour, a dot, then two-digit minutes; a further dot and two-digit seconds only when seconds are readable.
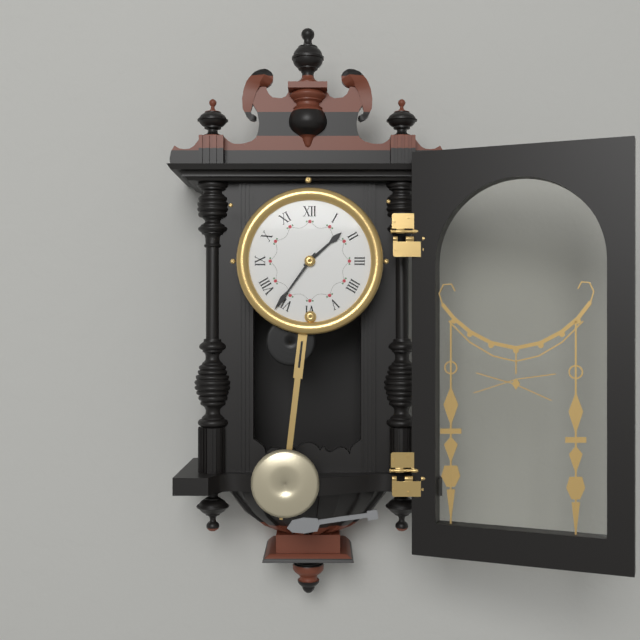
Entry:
1.36
